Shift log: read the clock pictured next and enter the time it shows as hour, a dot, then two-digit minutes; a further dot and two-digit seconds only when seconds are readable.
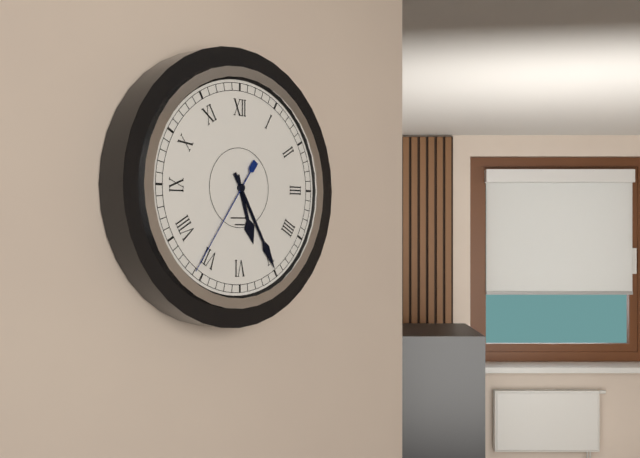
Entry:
5.25.36
